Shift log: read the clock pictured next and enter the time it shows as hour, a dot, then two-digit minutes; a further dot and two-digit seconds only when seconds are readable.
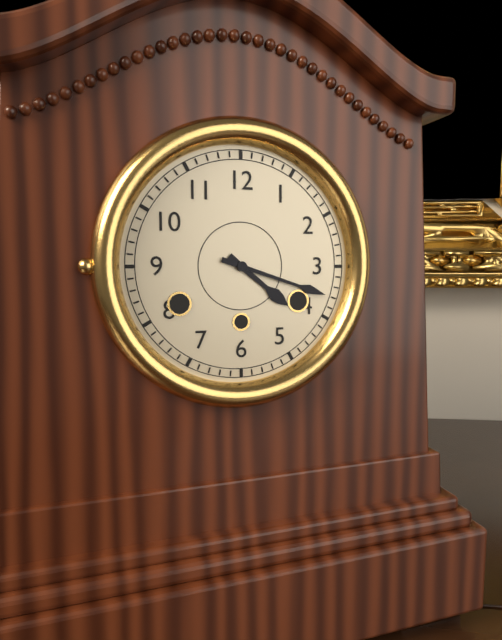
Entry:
4.18
